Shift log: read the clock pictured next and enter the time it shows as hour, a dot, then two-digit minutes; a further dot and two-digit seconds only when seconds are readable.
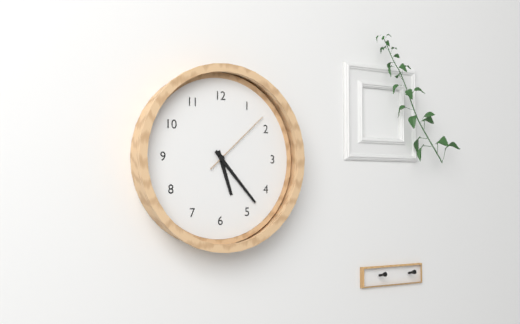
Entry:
5.23.08
